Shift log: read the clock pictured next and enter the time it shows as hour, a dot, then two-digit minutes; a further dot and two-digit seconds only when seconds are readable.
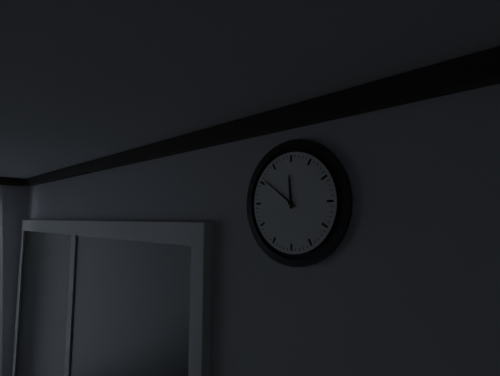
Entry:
11.51
